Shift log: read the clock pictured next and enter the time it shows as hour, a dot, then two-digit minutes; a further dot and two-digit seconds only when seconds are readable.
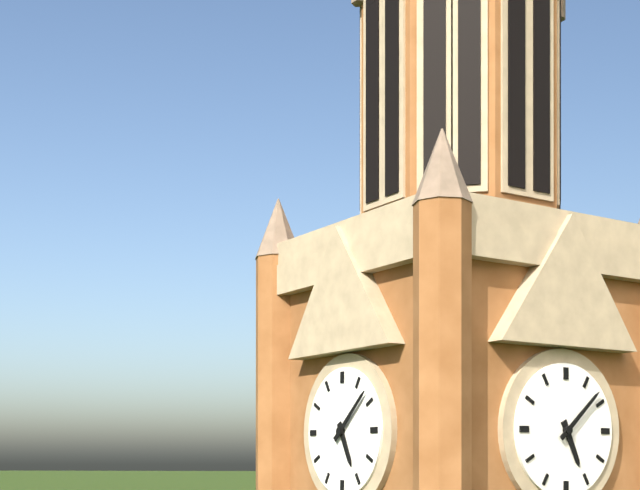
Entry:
5.08
